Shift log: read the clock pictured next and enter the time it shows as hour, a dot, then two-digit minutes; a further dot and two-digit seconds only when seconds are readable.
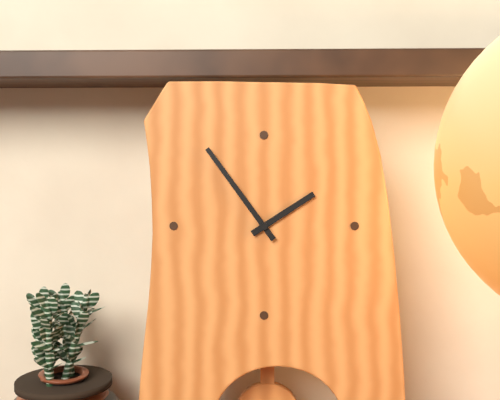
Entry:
1.54
